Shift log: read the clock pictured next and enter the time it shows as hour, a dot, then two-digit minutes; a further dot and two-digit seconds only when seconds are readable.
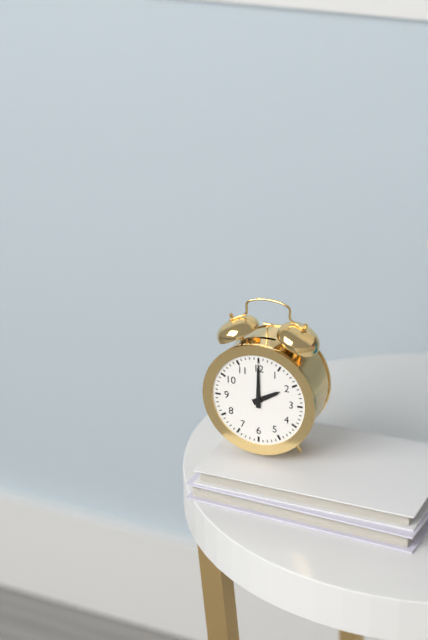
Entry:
2.00
